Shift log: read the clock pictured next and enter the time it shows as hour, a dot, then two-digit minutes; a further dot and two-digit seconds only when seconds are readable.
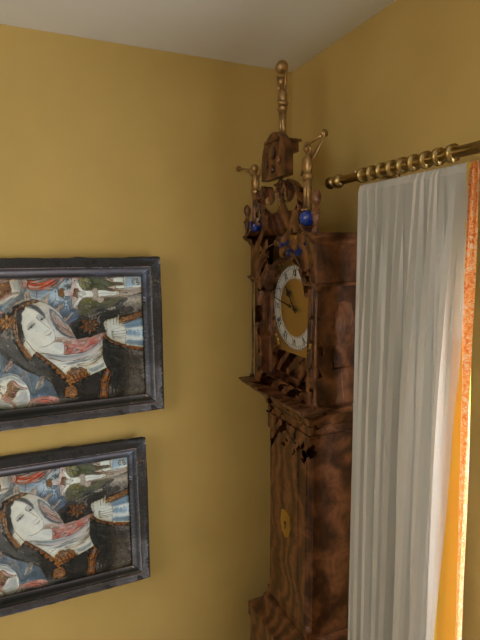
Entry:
10.47
